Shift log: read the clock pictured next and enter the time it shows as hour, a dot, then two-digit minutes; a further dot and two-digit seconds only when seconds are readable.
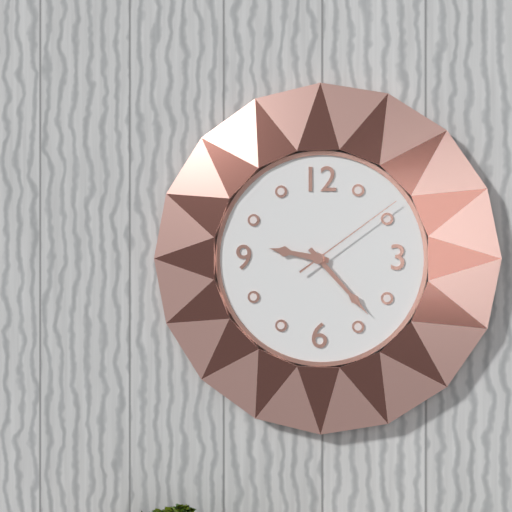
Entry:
9.23.09
